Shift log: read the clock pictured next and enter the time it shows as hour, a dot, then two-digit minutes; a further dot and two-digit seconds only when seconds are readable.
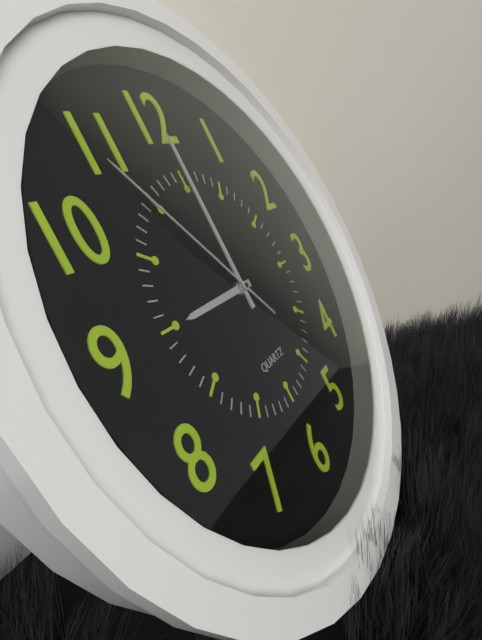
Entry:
9.00.54
